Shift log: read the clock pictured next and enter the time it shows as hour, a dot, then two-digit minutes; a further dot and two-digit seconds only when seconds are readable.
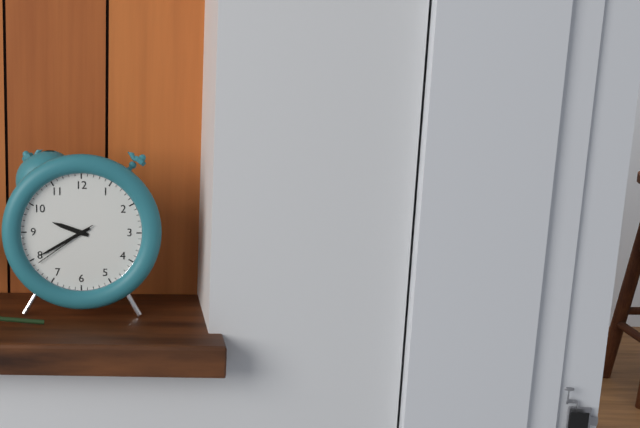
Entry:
9.40.39
